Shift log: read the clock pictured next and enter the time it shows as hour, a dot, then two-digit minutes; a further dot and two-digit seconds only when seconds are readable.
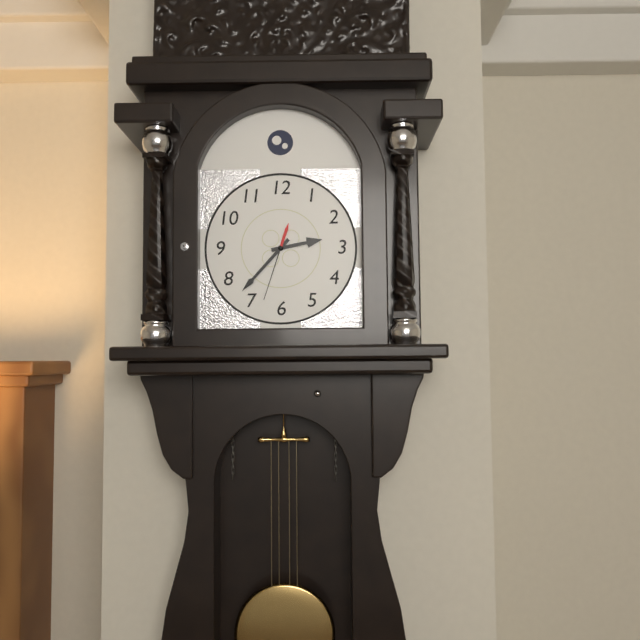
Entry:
2.37.33
